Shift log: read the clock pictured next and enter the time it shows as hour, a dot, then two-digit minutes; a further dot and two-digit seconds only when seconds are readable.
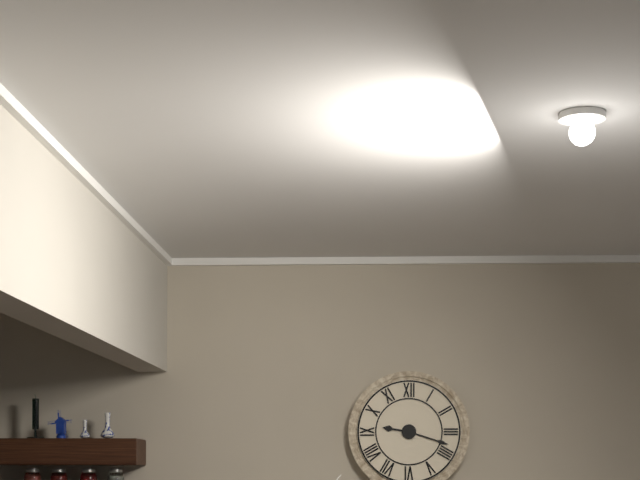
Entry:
9.18
